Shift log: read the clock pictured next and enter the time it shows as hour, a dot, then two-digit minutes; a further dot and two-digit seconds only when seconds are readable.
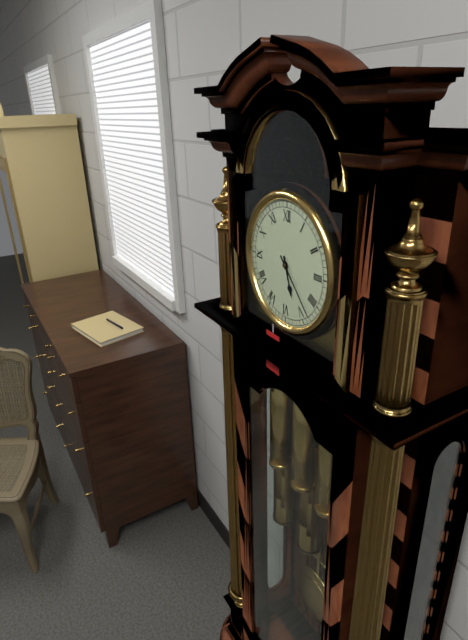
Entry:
5.23
